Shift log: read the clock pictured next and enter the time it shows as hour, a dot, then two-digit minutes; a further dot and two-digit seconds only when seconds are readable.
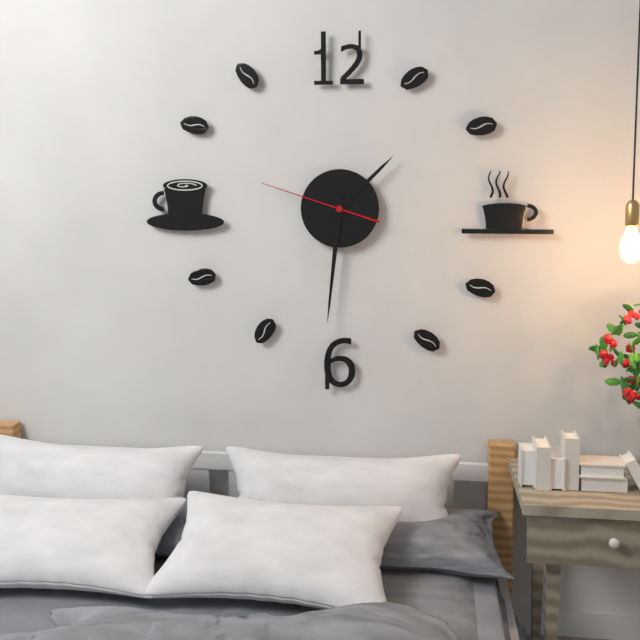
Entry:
1.31.48
